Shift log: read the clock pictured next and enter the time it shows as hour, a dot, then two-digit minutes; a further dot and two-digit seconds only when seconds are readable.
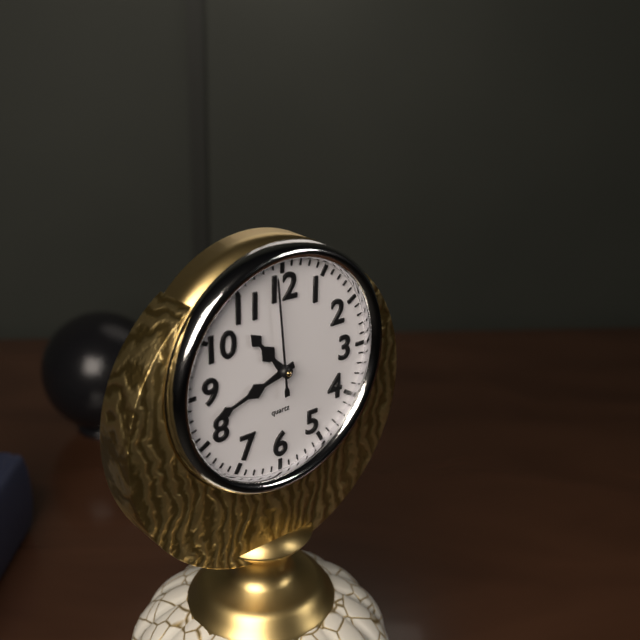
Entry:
10.42.59
